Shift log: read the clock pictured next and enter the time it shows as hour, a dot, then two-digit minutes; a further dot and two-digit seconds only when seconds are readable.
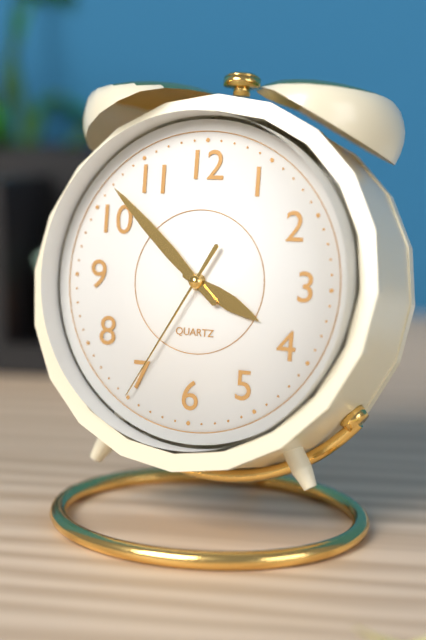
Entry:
3.52.35
